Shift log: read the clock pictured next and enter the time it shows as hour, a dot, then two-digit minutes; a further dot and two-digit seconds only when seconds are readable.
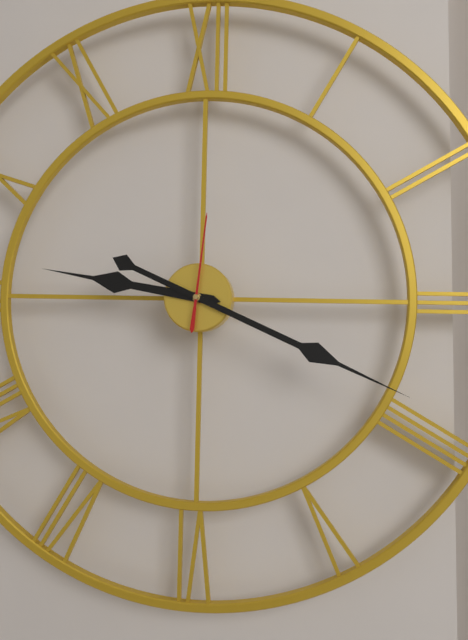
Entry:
9.19.01
